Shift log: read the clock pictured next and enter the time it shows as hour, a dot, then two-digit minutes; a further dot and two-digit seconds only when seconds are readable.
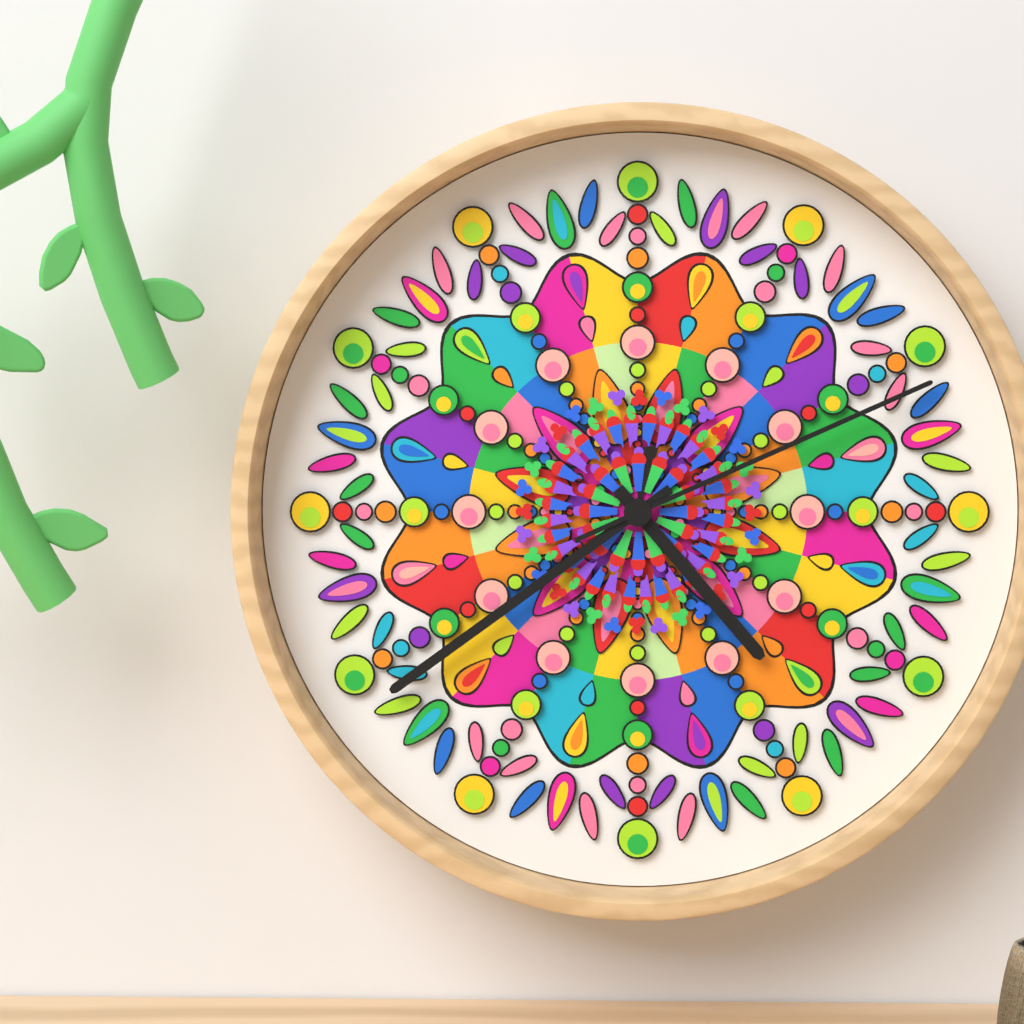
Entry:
4.39.11
